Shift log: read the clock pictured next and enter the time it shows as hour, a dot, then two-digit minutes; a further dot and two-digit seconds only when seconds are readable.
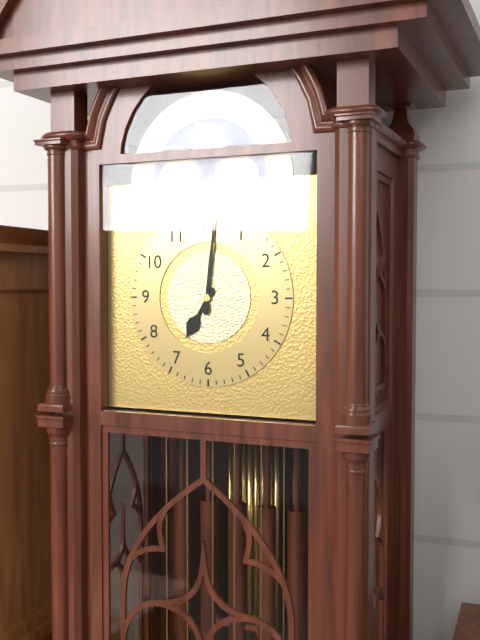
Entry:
7.01
